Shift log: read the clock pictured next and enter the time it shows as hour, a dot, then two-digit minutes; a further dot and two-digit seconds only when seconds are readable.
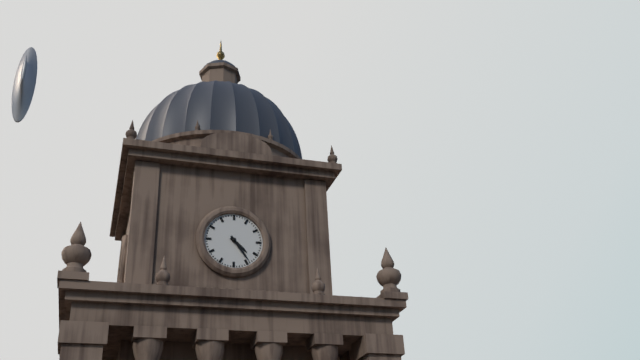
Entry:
4.24
